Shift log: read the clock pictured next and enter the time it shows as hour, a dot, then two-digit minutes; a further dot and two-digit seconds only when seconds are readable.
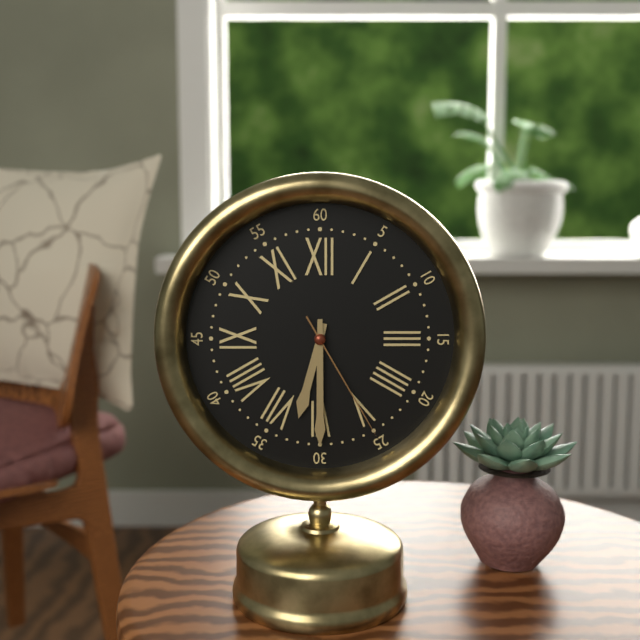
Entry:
6.30.25
